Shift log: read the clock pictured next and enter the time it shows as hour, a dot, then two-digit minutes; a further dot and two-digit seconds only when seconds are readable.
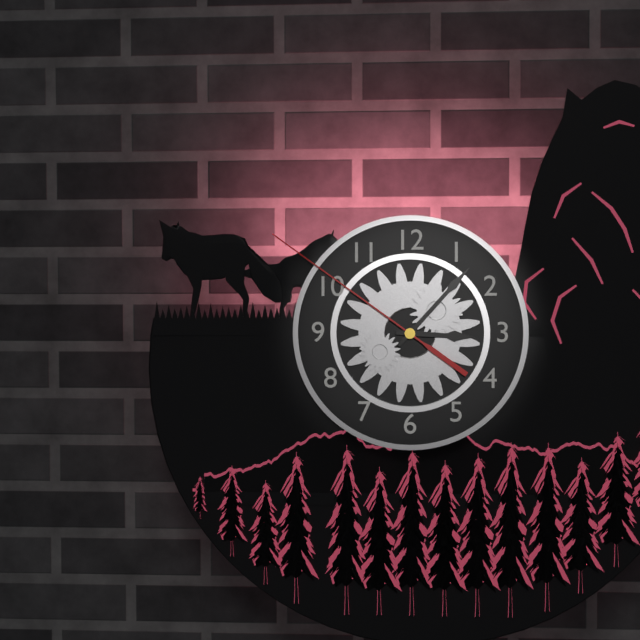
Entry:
3.07.51
